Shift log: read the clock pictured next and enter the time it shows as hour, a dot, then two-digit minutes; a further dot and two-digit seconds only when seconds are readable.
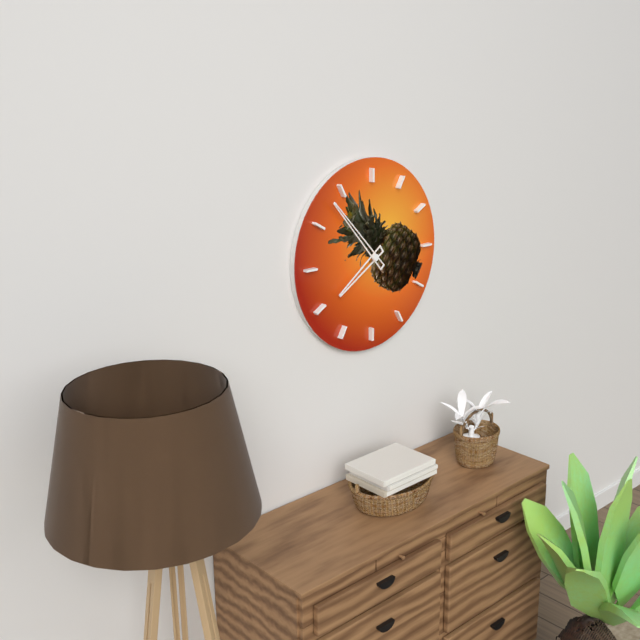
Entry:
7.53
